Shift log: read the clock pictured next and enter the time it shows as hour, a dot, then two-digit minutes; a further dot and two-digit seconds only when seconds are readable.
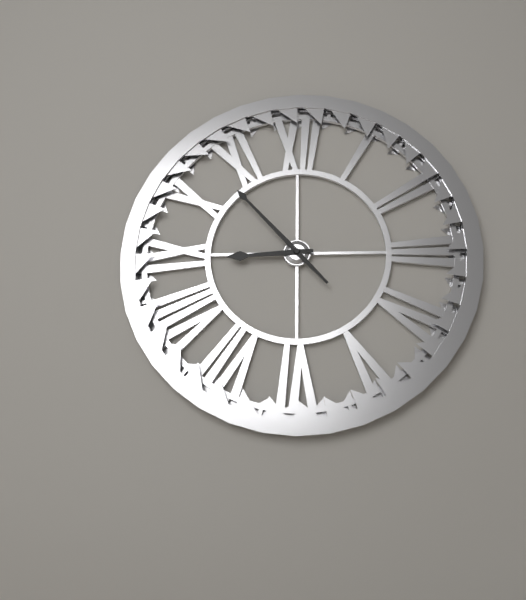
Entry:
8.53
